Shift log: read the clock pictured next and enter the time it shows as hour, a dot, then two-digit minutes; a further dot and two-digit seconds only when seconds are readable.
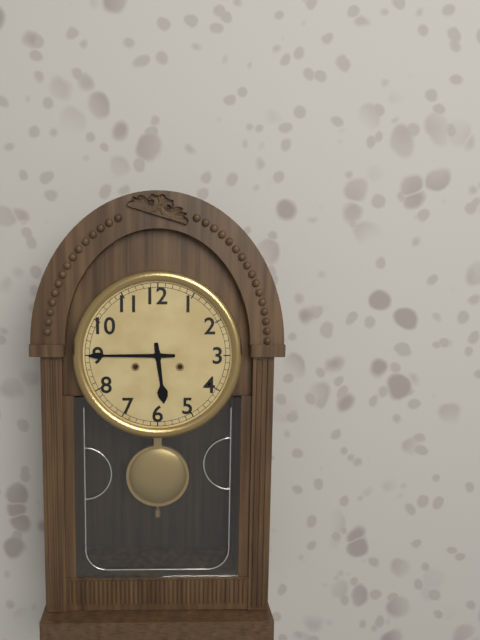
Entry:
5.45
